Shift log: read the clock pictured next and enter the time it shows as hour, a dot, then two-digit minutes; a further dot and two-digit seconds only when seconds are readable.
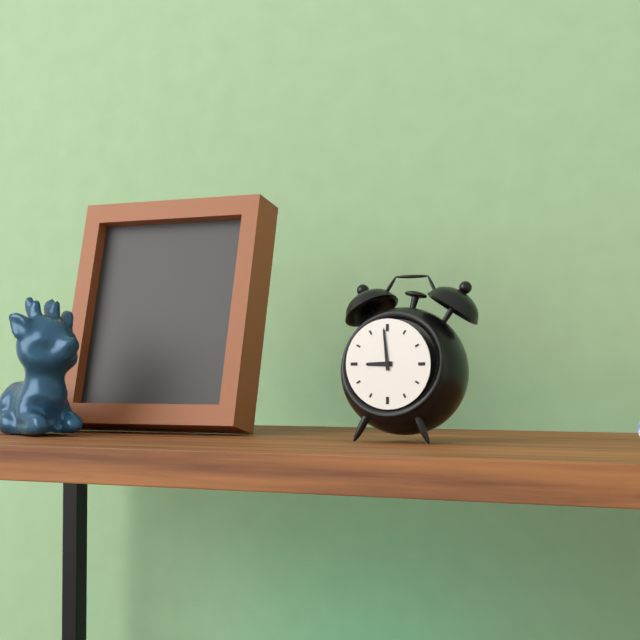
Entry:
8.59
